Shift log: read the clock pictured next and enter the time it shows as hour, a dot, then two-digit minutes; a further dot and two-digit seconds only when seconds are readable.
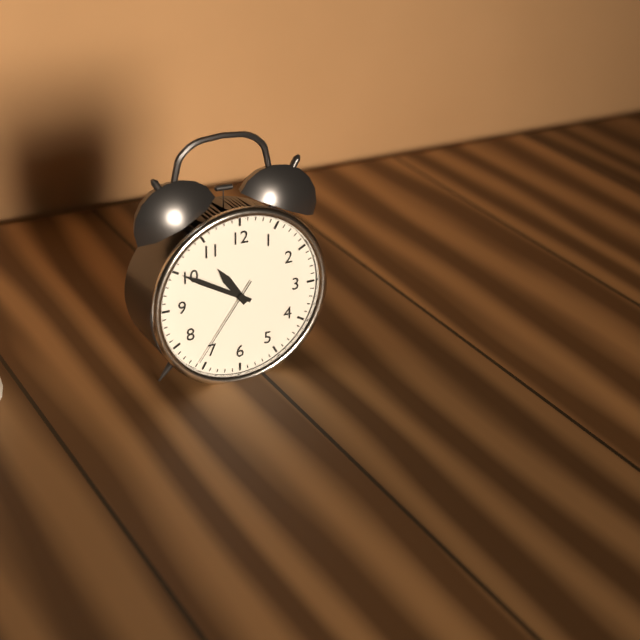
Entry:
10.50.36
